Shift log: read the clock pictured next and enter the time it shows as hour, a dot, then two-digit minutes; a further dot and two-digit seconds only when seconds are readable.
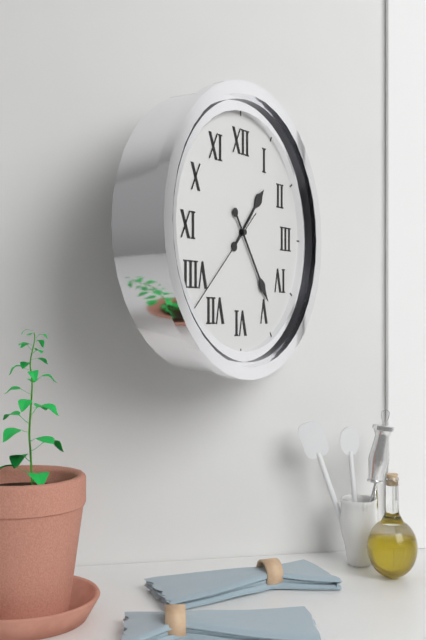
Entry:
1.24.38
